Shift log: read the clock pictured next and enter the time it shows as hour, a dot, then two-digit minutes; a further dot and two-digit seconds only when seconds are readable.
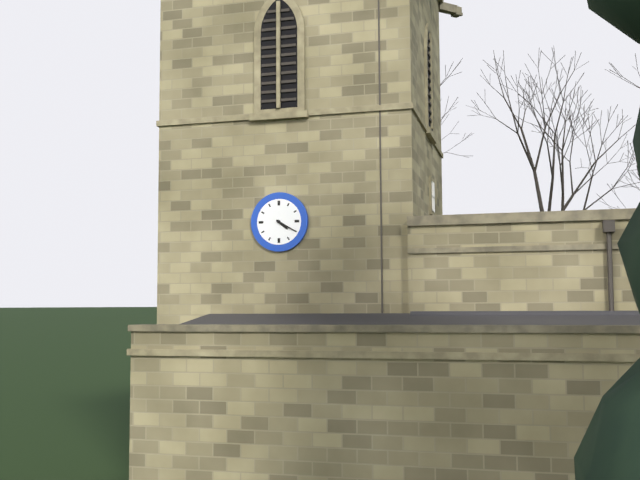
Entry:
4.20
